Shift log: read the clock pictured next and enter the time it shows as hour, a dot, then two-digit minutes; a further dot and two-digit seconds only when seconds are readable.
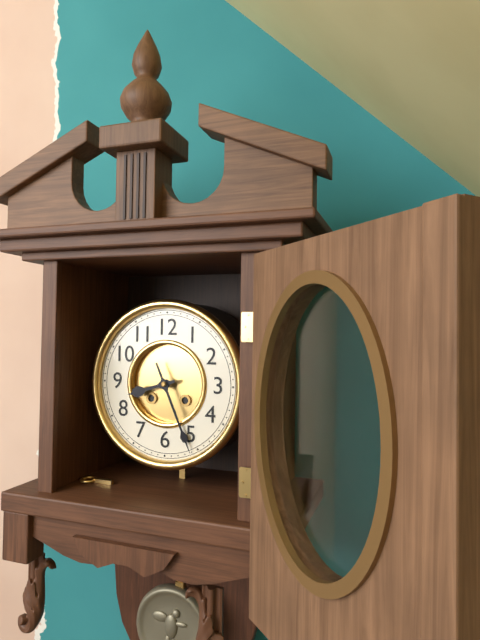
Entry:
8.26
